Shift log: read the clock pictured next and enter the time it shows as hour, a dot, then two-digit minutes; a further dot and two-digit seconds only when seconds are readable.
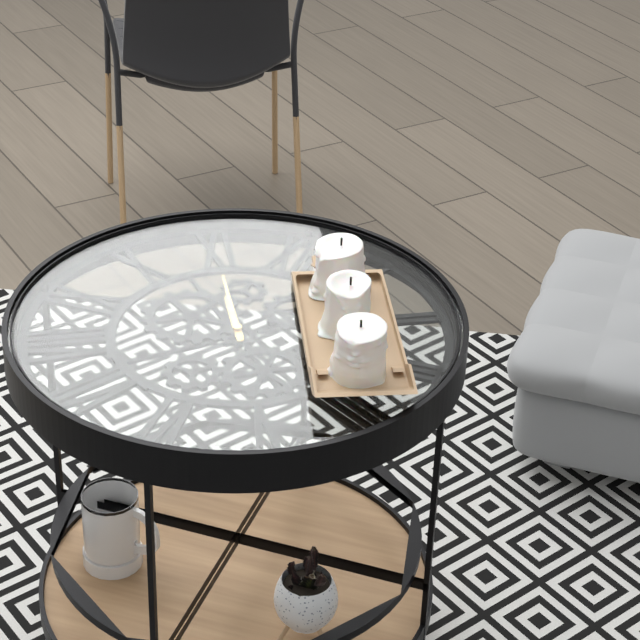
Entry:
10.55
